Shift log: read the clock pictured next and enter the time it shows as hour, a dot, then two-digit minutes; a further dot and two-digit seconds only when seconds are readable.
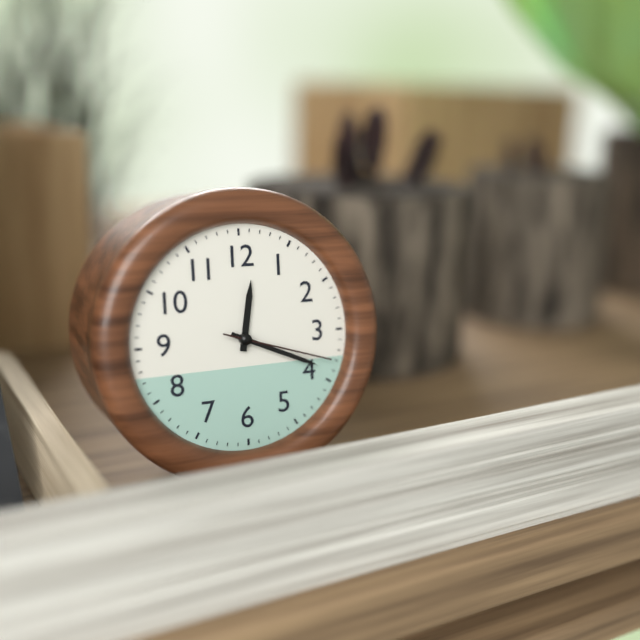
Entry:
12.19.18
